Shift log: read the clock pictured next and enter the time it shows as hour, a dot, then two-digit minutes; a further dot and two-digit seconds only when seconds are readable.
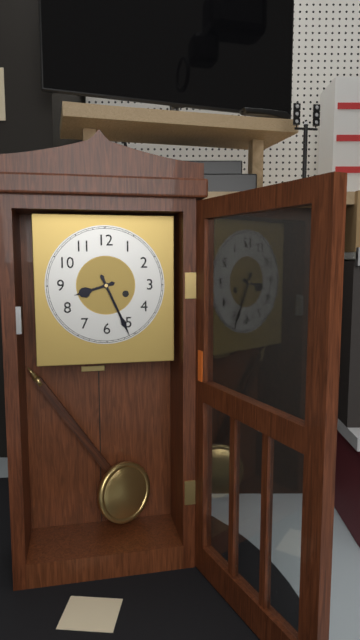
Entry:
8.26
